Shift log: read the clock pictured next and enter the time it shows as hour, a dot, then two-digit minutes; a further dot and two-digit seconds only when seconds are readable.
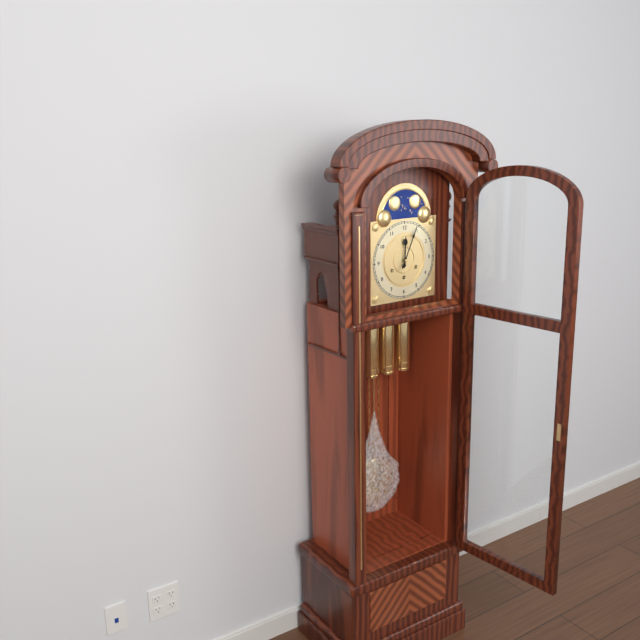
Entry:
12.04
